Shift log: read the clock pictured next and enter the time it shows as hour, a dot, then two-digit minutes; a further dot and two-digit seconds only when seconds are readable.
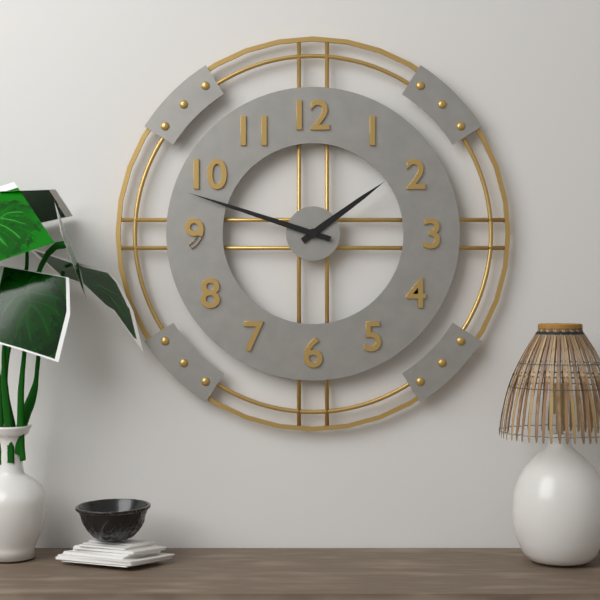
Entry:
1.48
